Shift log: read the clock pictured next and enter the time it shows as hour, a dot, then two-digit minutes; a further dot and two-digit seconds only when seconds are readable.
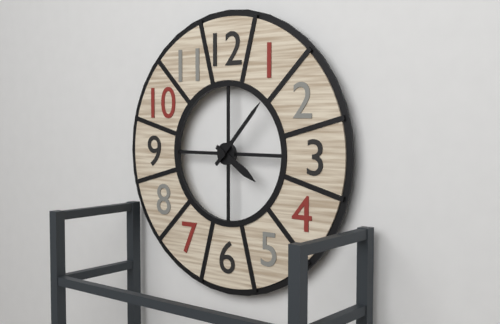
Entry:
4.07
